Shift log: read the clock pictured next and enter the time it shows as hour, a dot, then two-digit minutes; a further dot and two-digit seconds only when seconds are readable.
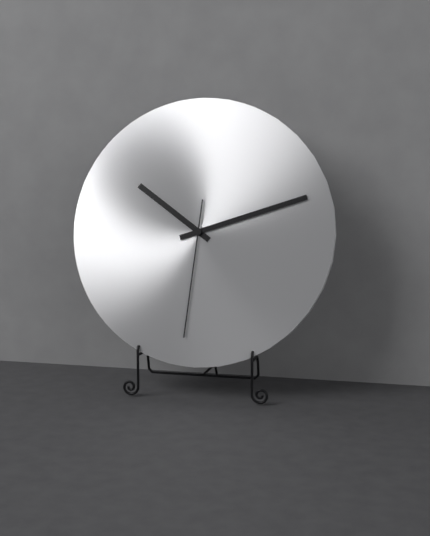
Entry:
10.12.31
